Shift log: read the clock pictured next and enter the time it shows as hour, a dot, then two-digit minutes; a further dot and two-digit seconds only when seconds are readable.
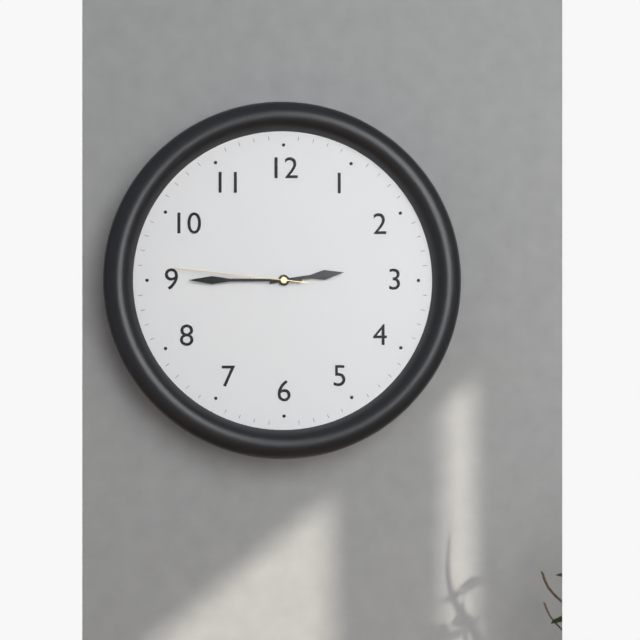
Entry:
2.45.46
